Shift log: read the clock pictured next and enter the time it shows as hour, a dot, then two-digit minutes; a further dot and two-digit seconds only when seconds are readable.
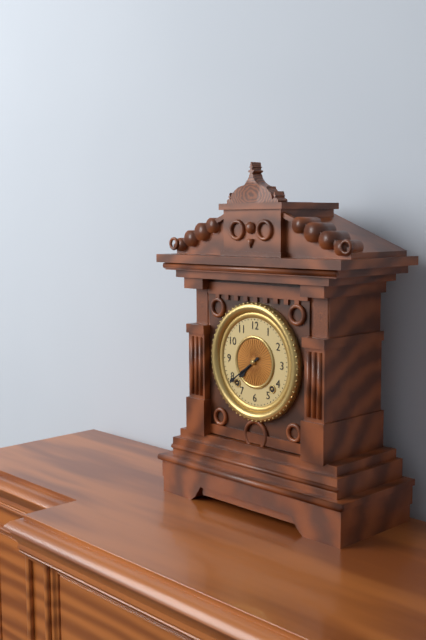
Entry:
7.39
